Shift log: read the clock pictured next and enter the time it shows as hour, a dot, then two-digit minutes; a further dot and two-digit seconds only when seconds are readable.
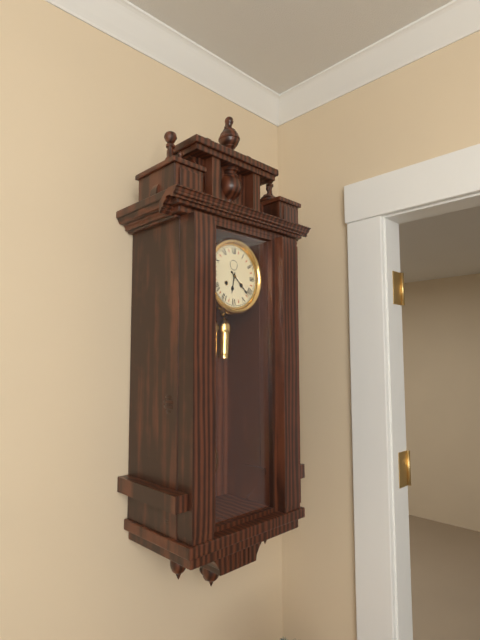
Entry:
6.22
